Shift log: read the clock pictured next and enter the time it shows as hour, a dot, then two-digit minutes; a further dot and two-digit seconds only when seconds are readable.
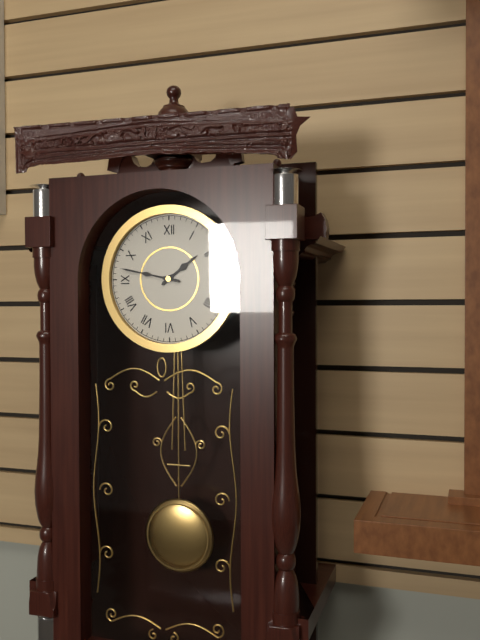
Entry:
1.47
